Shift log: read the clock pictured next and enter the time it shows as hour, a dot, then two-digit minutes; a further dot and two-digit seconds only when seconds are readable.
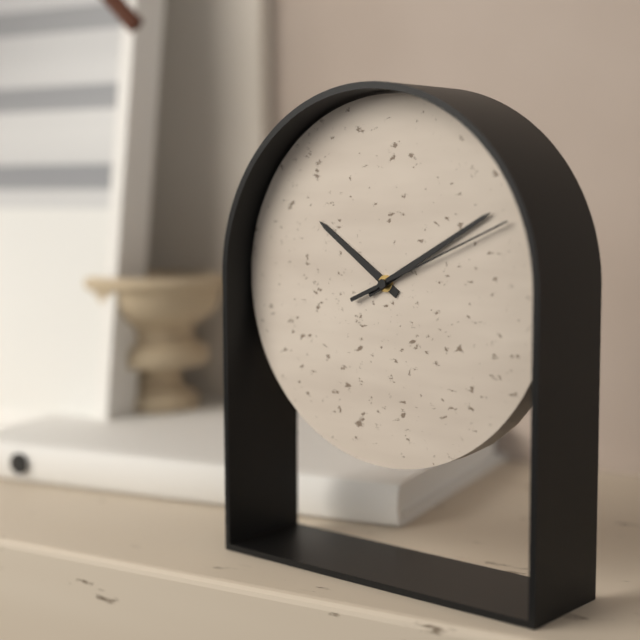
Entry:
10.10.11
